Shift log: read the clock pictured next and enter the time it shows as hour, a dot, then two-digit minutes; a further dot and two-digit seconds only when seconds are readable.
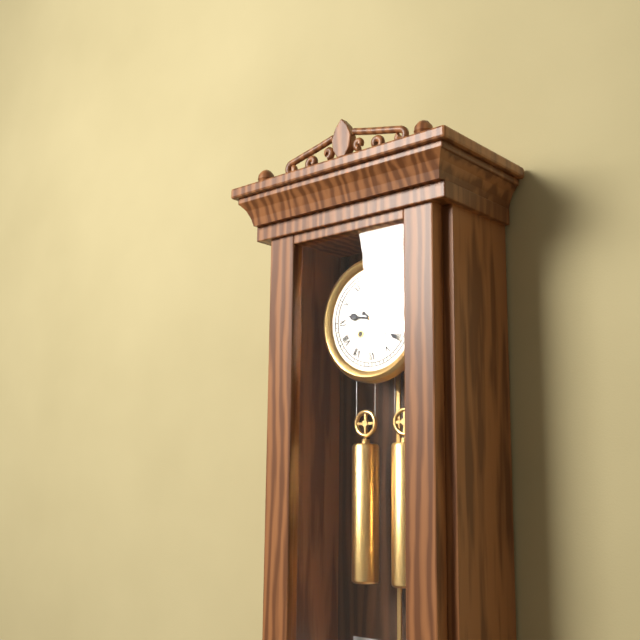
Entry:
9.21
